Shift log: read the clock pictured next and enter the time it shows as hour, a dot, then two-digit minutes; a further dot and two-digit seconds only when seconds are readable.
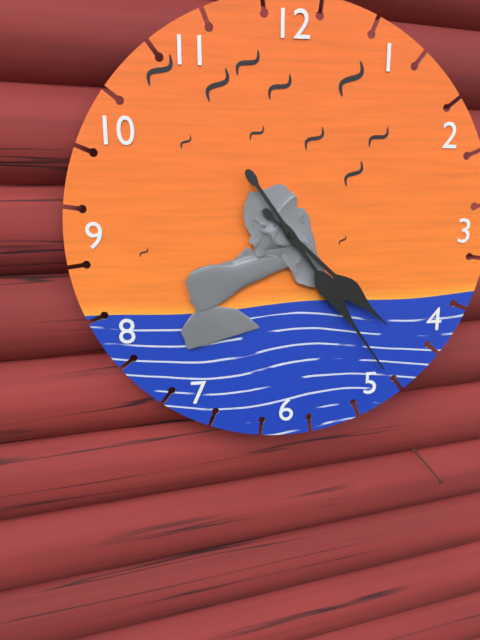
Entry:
4.24
